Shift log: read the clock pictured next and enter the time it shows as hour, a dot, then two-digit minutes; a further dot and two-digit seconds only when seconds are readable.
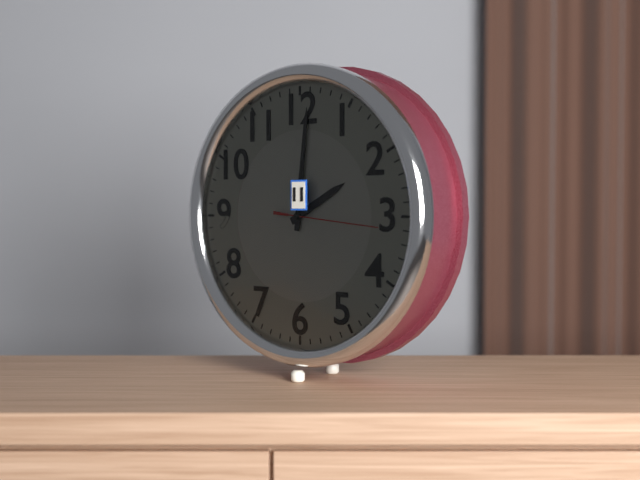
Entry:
2.01.16
